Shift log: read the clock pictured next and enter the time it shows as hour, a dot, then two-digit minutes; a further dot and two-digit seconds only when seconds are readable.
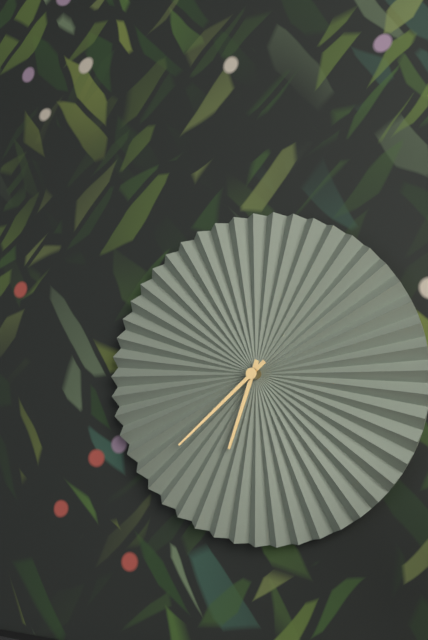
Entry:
6.38
